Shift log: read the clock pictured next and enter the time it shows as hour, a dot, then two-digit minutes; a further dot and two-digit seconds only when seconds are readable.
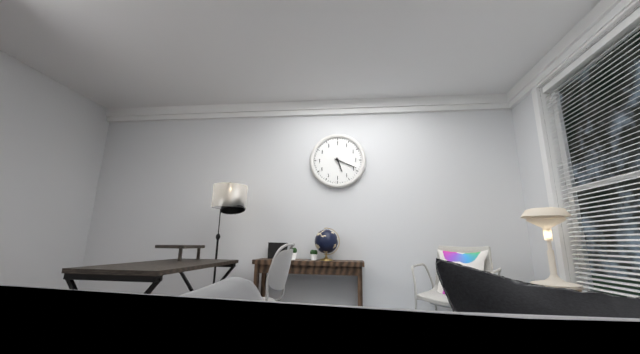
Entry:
5.19
